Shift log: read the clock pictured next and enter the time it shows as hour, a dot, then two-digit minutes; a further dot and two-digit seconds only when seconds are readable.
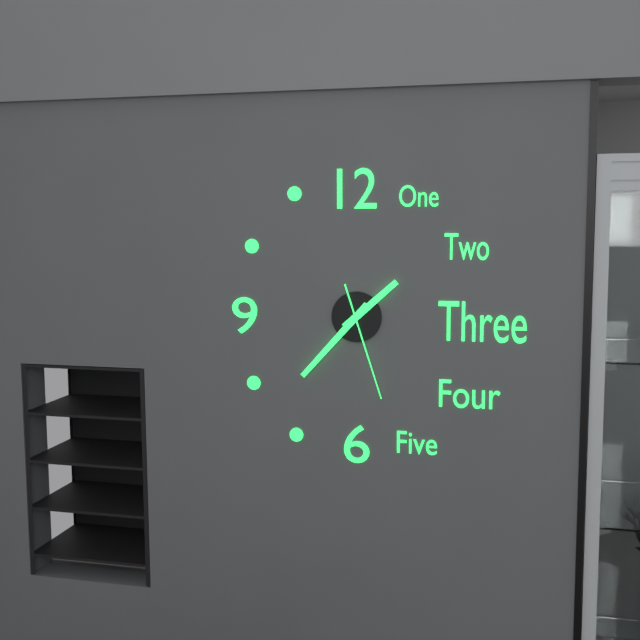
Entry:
1.37.27
